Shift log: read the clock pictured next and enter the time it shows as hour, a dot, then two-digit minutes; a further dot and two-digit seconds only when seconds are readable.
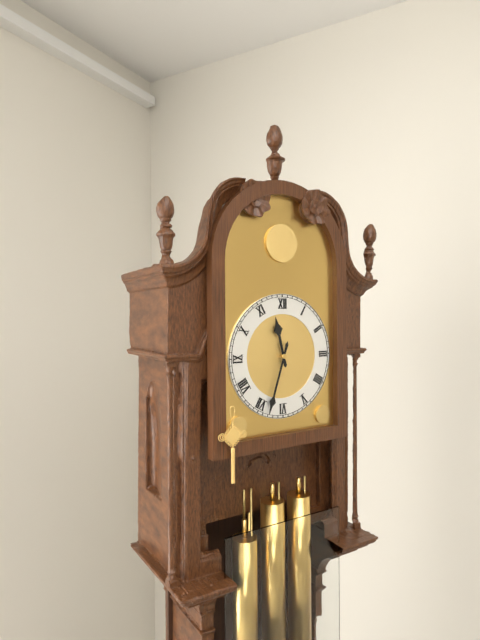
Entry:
11.33
